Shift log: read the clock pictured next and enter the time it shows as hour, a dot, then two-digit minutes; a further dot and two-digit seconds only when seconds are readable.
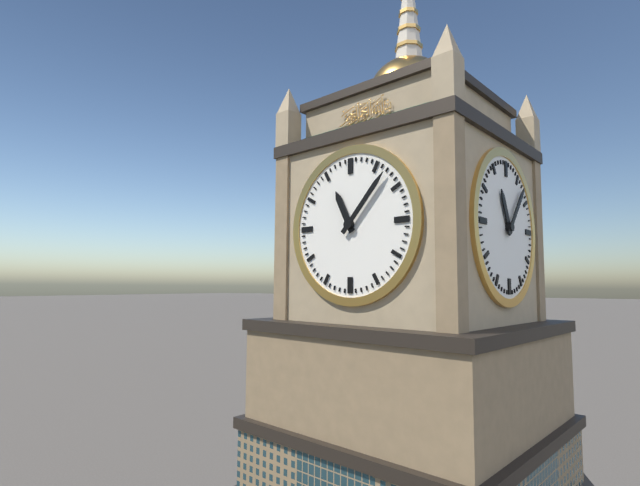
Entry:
11.07
